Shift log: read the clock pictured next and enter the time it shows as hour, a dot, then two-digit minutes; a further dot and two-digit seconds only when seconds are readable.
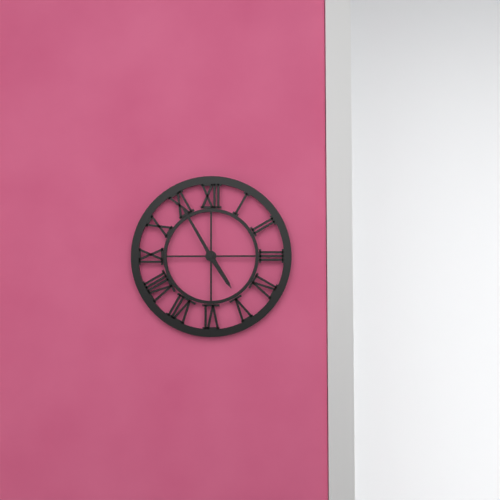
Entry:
4.55
